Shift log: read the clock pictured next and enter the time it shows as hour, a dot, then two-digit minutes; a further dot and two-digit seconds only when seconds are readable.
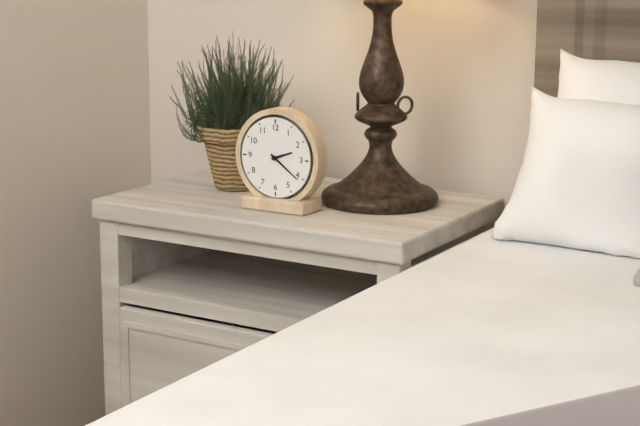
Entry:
2.21
